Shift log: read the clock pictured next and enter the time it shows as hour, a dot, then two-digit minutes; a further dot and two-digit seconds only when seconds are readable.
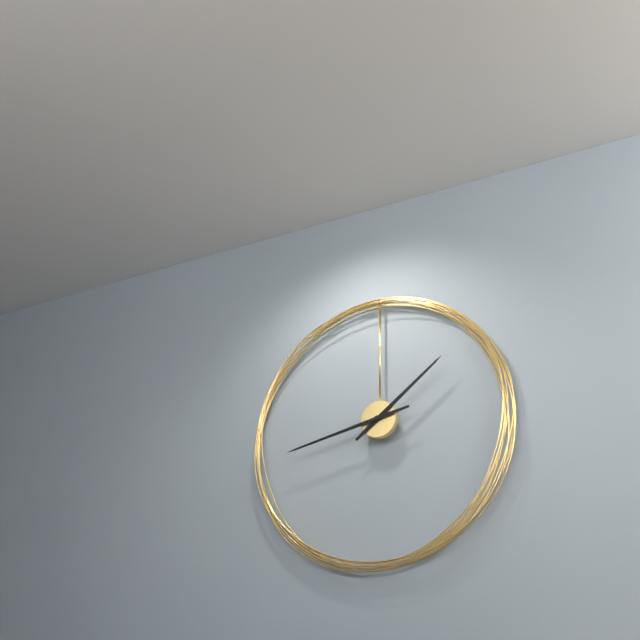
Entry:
1.43
